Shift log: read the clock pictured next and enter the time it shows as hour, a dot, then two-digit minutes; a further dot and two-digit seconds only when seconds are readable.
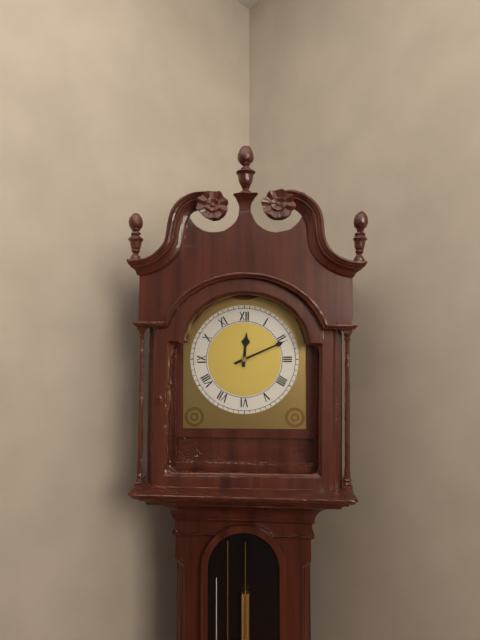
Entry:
12.11
